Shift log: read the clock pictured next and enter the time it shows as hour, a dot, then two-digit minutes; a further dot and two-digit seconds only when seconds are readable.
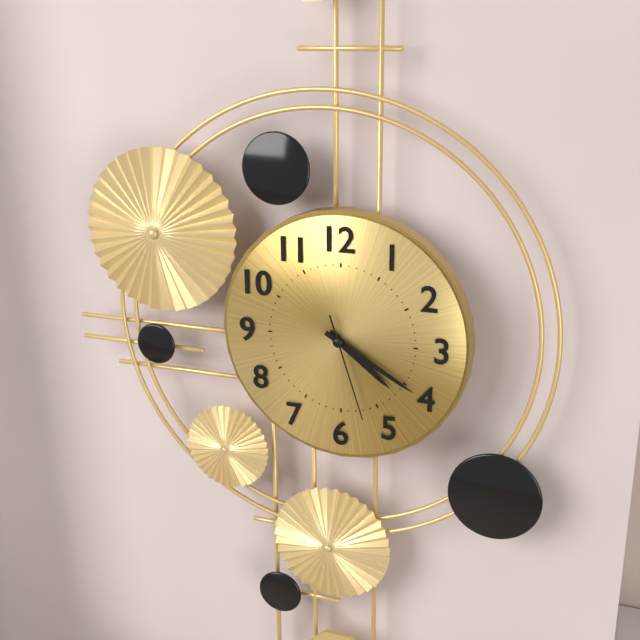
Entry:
4.20.27
